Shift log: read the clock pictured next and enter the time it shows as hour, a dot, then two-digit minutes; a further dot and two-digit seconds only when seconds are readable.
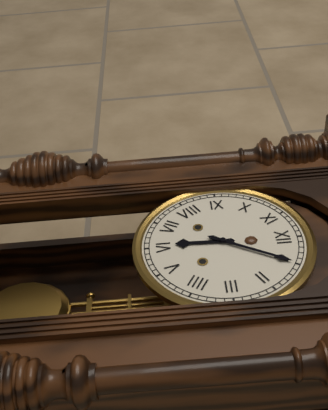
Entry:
6.05
